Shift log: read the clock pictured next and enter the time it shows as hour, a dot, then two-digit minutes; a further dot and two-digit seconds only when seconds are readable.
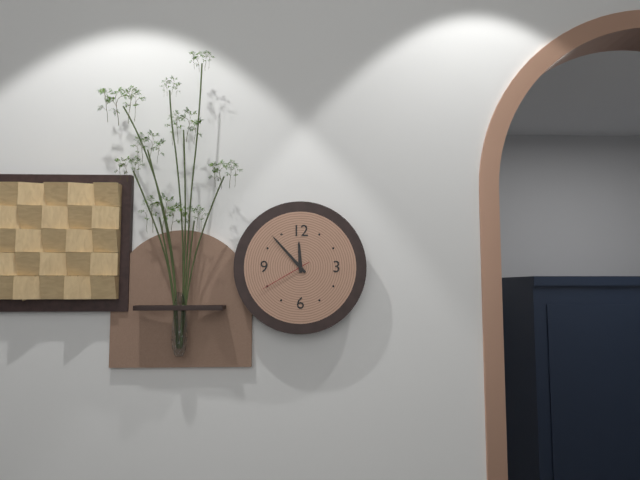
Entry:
11.53.40
